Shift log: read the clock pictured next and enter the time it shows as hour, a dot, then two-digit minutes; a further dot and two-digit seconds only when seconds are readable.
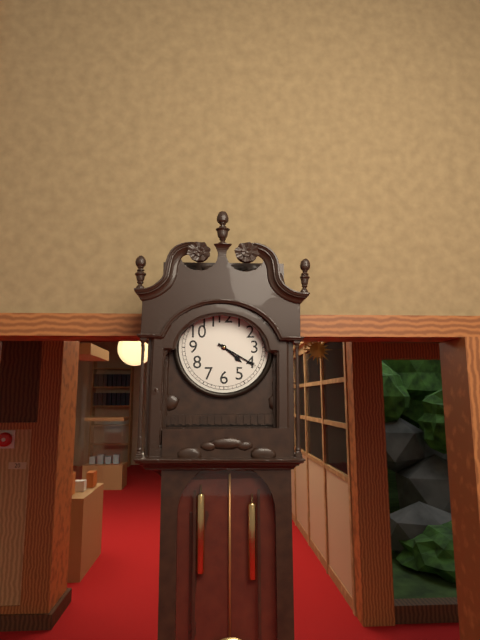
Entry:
4.20
